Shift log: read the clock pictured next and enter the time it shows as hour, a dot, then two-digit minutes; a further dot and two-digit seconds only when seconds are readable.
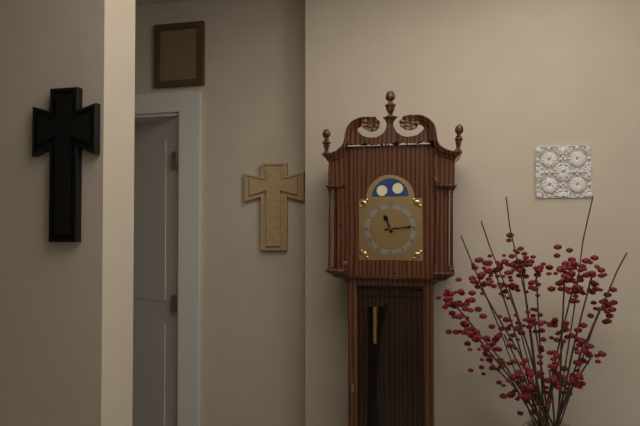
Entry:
11.14
